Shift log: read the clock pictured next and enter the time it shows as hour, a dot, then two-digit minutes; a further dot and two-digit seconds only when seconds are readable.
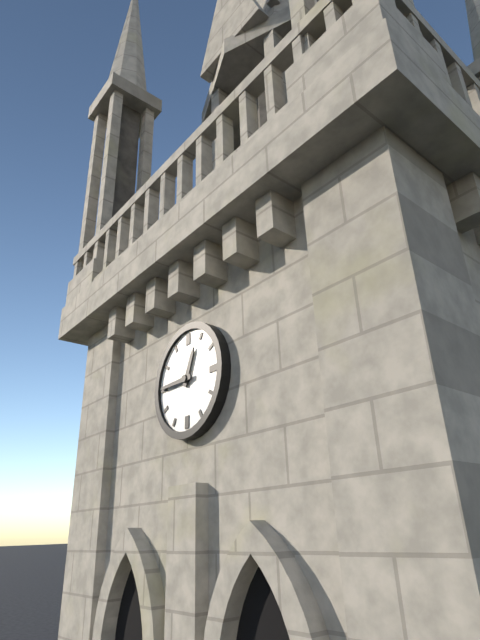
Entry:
12.45
